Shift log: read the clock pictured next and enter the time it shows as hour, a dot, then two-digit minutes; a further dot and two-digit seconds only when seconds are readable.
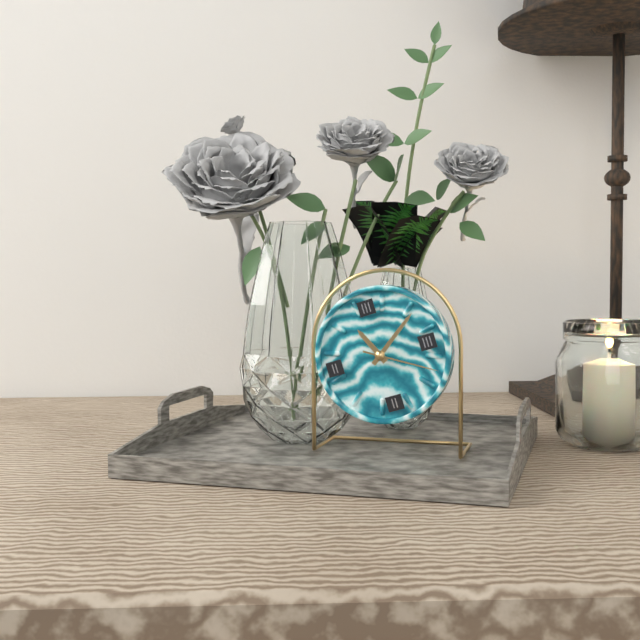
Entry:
11.09.20
